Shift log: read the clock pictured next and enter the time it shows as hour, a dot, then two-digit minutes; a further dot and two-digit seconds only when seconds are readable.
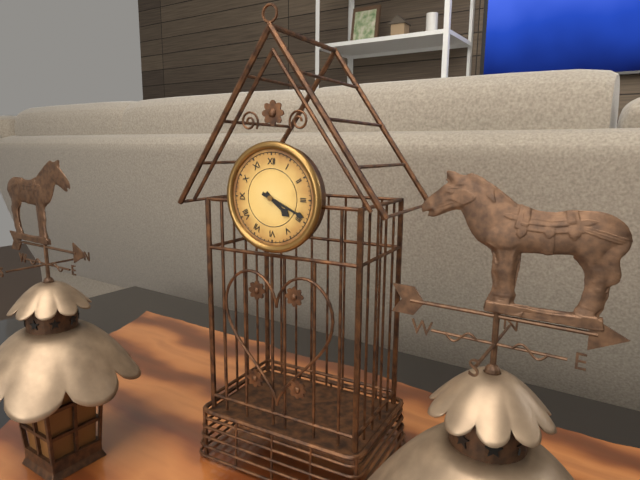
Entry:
4.19
